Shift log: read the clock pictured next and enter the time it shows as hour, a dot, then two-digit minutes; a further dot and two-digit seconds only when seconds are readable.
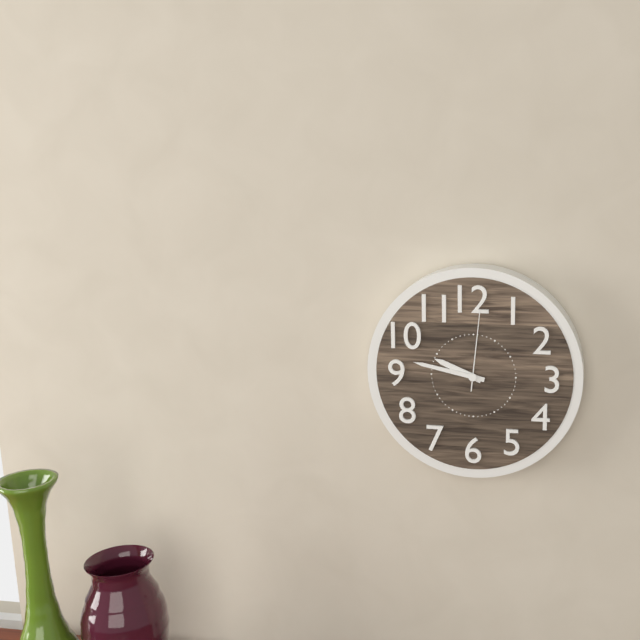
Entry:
9.47.01
